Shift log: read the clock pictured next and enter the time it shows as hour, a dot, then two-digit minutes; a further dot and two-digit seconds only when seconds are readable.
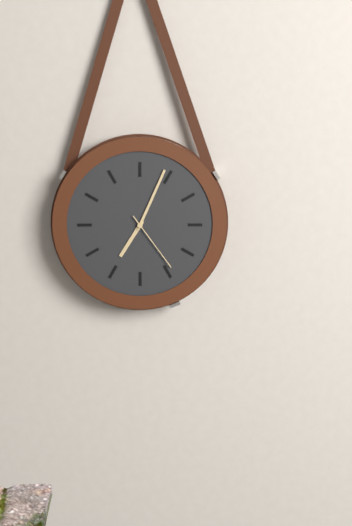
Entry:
7.04.24
